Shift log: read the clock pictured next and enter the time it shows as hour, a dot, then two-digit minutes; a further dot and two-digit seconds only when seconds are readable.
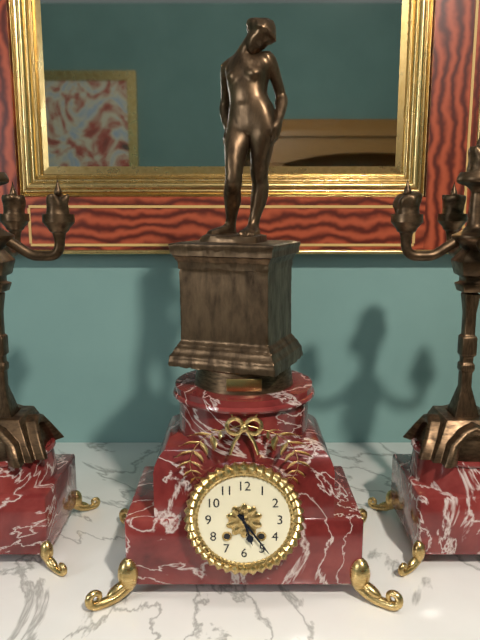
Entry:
5.24
